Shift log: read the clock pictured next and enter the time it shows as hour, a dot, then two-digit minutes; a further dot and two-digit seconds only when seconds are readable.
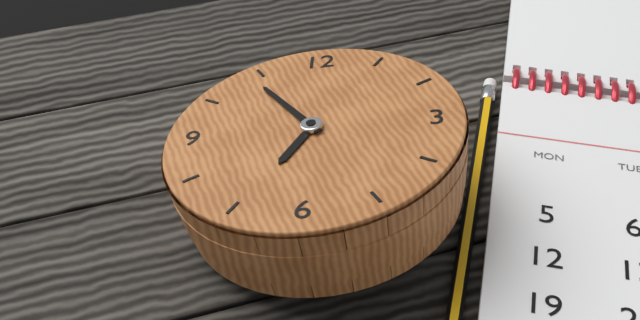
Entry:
6.54
